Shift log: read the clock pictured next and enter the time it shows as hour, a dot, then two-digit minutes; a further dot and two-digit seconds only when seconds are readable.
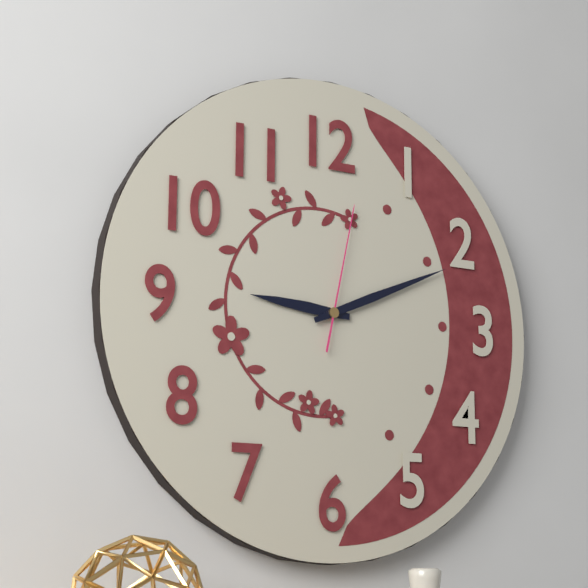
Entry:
9.11.02
